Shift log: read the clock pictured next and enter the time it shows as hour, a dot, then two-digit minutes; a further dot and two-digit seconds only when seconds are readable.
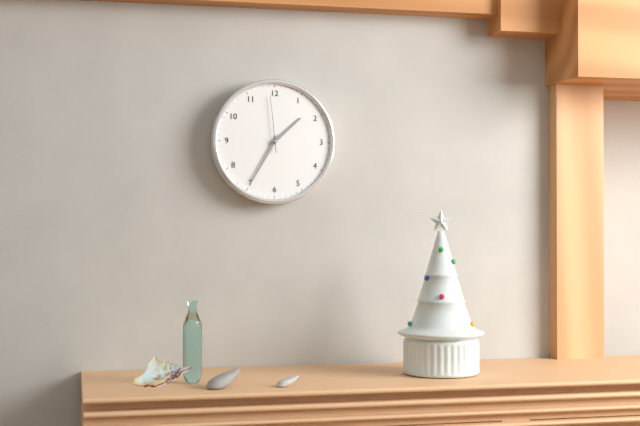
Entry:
1.35.59
